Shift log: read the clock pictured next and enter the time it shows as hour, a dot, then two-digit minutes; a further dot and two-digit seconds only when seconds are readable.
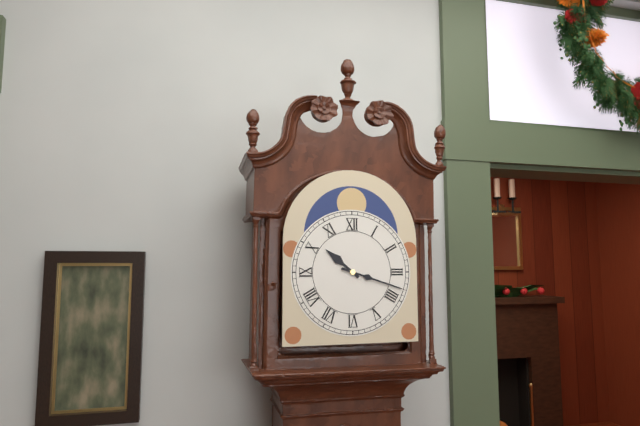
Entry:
10.18
